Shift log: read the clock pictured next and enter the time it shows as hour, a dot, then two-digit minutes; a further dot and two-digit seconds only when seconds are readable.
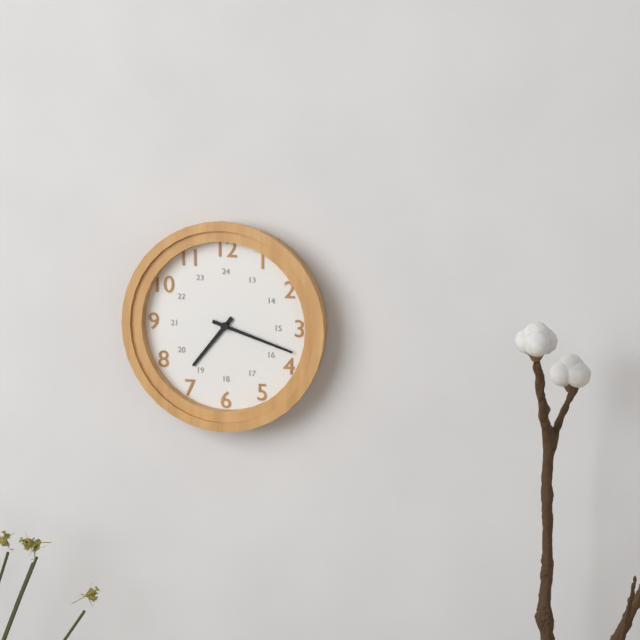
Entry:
7.18
